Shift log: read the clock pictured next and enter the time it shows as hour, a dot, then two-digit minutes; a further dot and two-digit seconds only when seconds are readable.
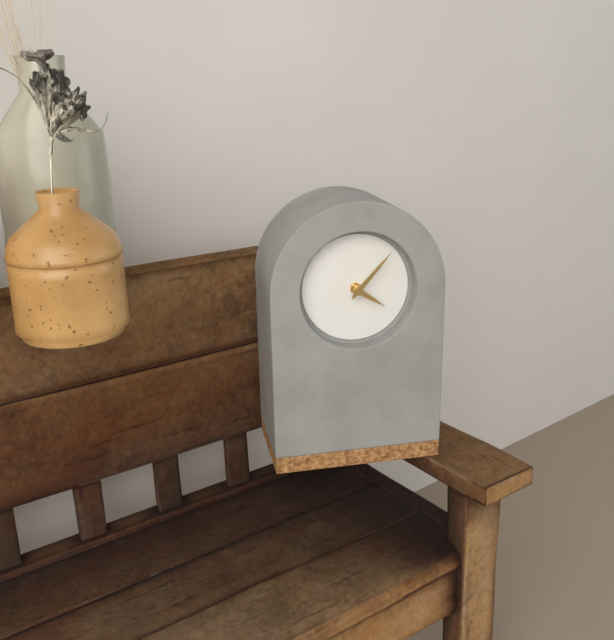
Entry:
4.07
